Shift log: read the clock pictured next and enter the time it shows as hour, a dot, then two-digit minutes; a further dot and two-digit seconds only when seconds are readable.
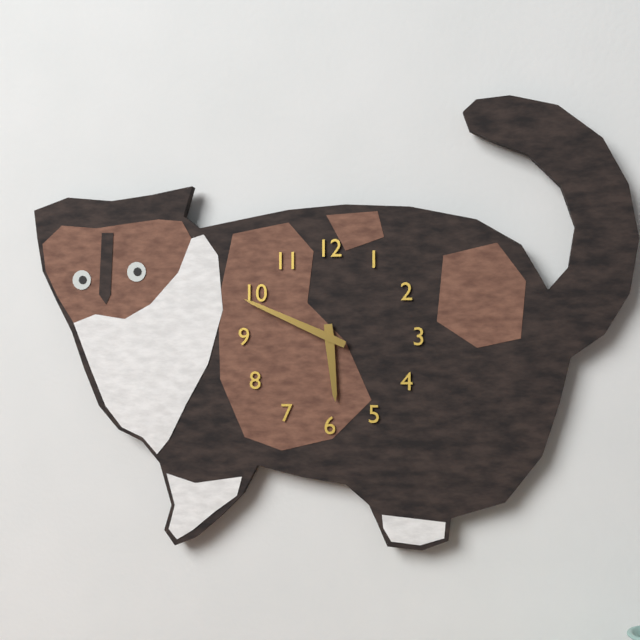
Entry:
5.49
